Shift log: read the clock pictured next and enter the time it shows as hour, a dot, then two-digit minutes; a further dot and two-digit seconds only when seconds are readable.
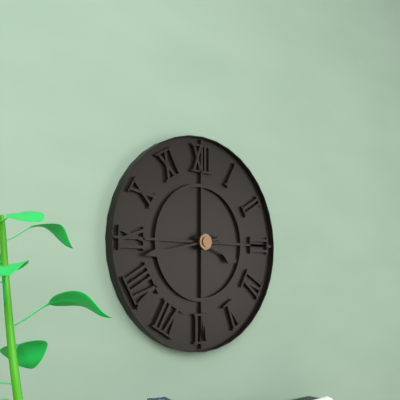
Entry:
3.43
